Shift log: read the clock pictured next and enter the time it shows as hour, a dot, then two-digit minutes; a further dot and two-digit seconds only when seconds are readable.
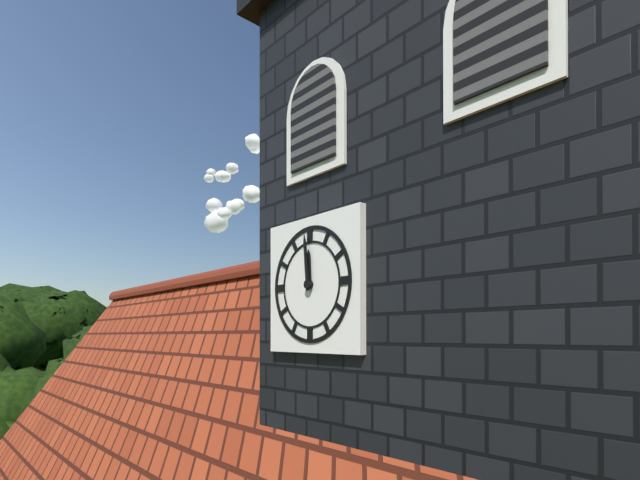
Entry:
11.59
